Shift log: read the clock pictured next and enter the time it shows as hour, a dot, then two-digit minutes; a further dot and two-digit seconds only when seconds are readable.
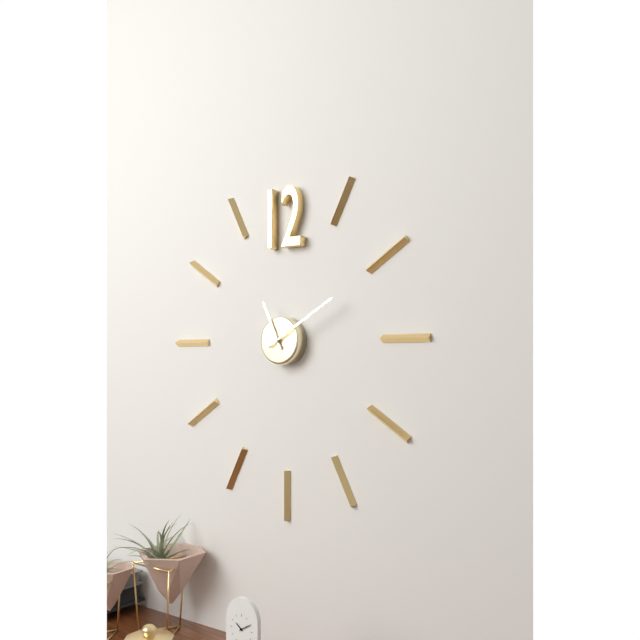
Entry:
11.10
